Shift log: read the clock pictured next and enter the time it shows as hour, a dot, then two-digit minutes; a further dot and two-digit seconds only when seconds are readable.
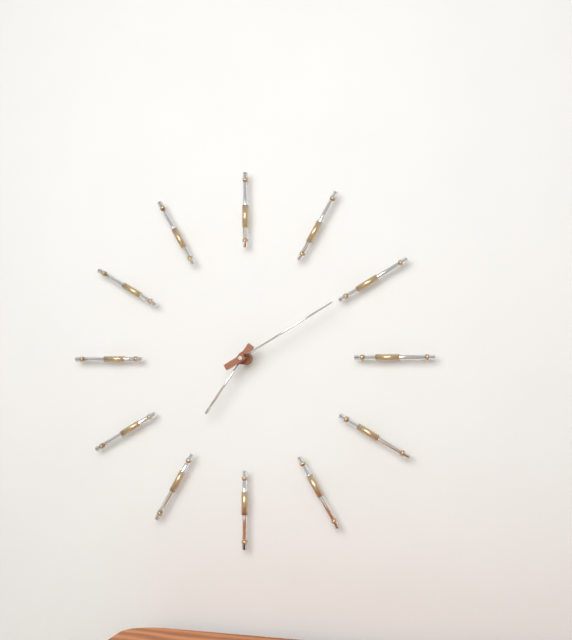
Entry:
7.10
